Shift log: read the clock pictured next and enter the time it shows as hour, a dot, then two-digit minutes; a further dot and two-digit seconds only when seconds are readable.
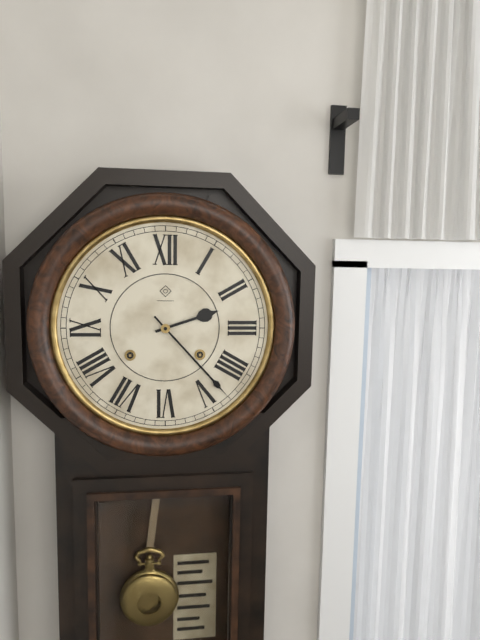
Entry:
2.23
